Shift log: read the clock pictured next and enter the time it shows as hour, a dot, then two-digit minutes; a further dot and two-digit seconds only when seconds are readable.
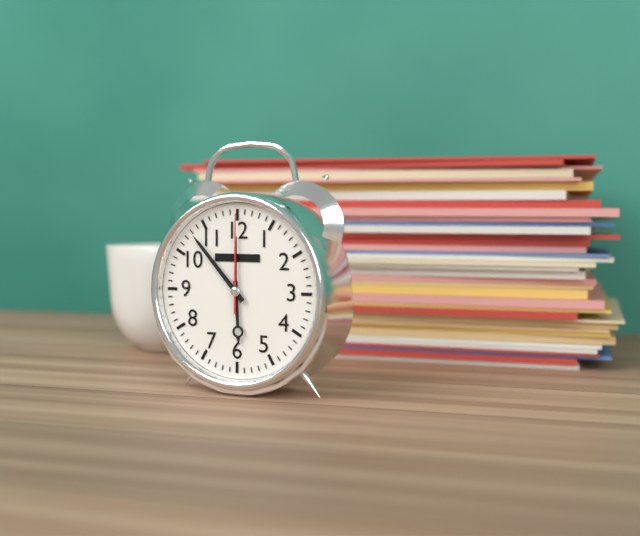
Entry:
5.53.00
